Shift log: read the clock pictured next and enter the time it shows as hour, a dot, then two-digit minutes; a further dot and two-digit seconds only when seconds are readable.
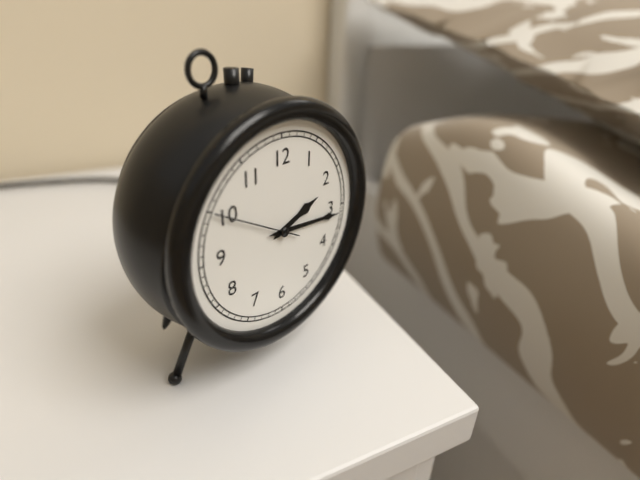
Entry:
2.16.50
